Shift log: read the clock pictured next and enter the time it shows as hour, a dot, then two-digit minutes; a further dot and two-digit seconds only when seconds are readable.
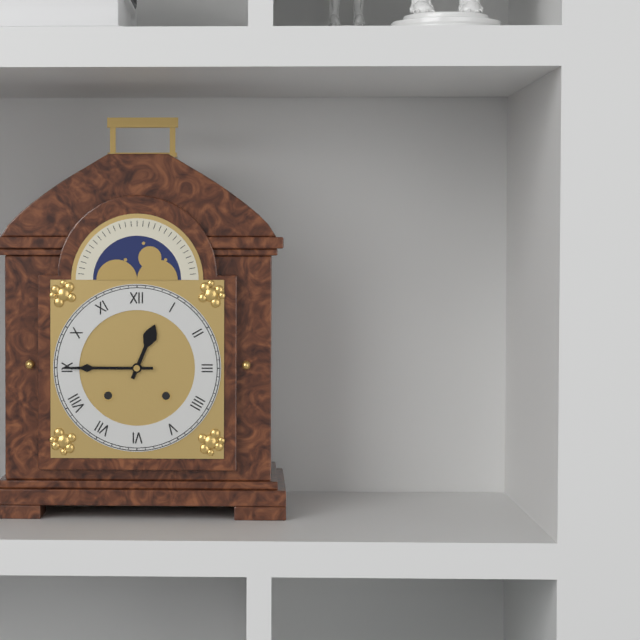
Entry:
12.45
